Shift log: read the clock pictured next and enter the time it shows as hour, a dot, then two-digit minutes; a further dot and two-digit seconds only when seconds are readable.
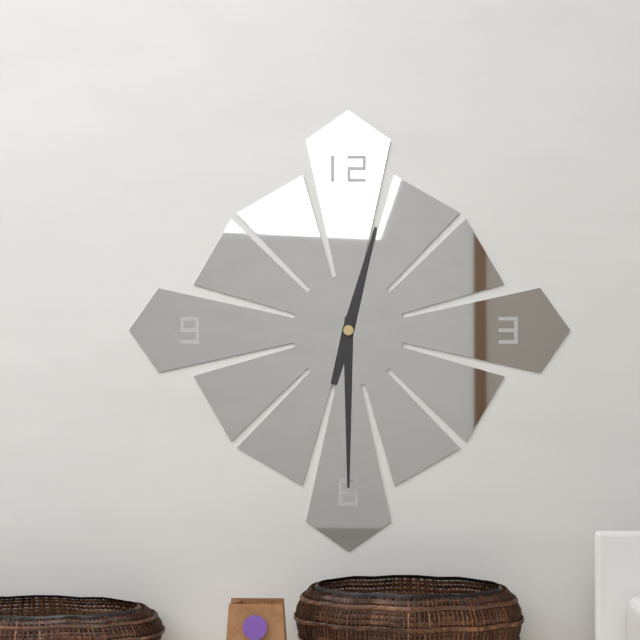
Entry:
12.30
